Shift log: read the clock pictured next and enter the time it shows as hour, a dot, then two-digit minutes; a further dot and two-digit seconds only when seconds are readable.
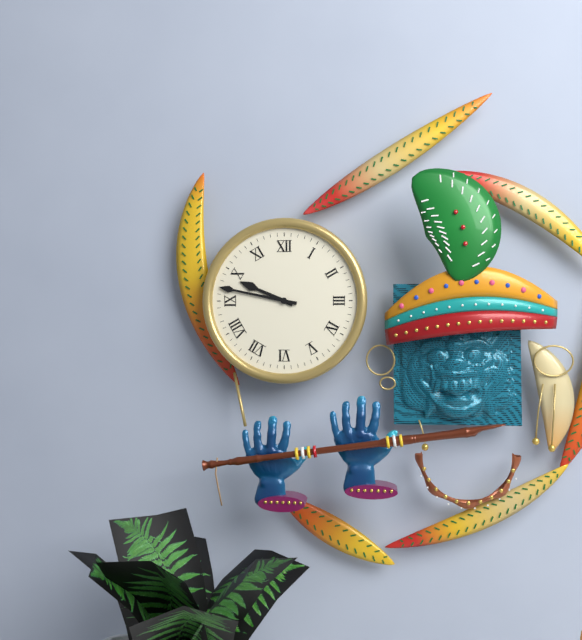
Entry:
9.47
